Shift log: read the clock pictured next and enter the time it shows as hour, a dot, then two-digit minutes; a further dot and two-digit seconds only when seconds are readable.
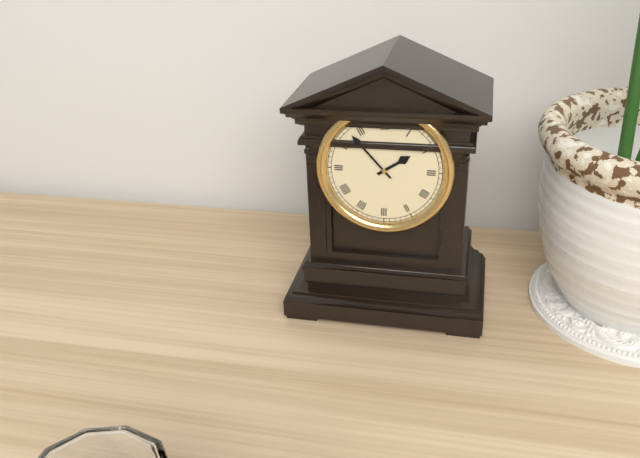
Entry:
1.53
